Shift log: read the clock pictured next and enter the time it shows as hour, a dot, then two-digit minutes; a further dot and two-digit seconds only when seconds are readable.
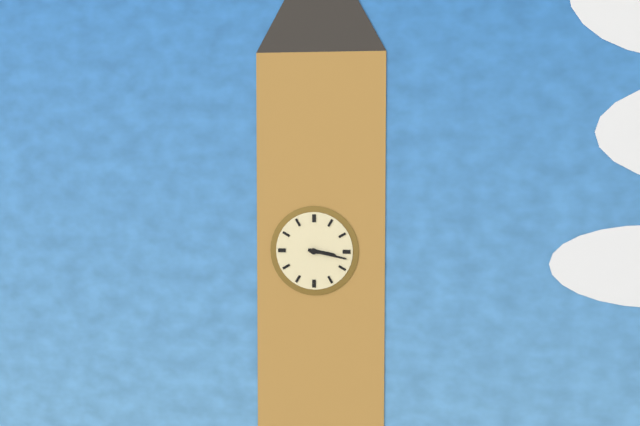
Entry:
3.17
